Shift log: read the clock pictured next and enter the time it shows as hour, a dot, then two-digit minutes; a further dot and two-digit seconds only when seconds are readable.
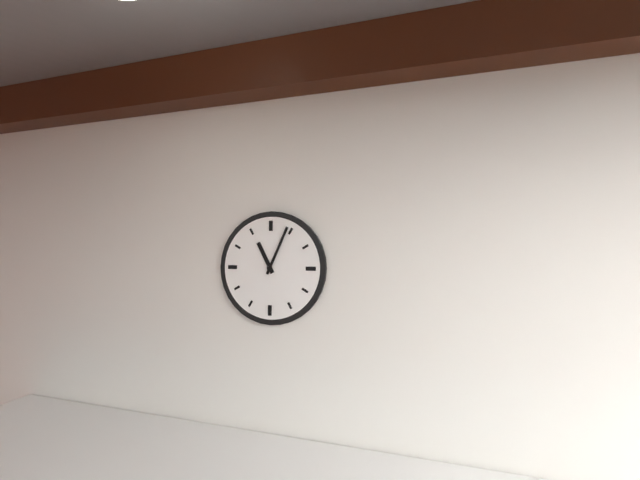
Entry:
11.04
